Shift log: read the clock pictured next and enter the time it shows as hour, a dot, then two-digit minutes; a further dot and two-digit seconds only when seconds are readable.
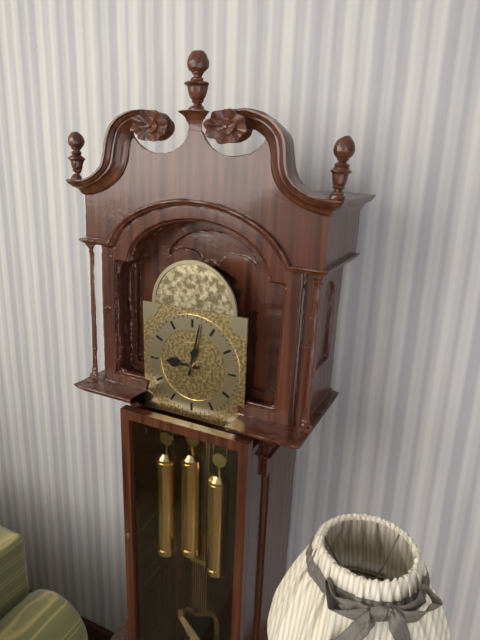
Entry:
9.02
